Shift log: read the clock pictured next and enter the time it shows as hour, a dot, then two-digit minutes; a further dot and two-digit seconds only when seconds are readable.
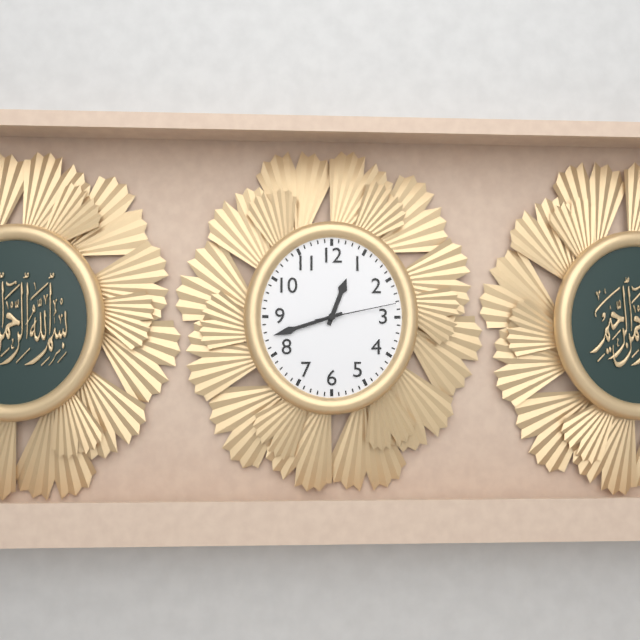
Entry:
12.42.13
